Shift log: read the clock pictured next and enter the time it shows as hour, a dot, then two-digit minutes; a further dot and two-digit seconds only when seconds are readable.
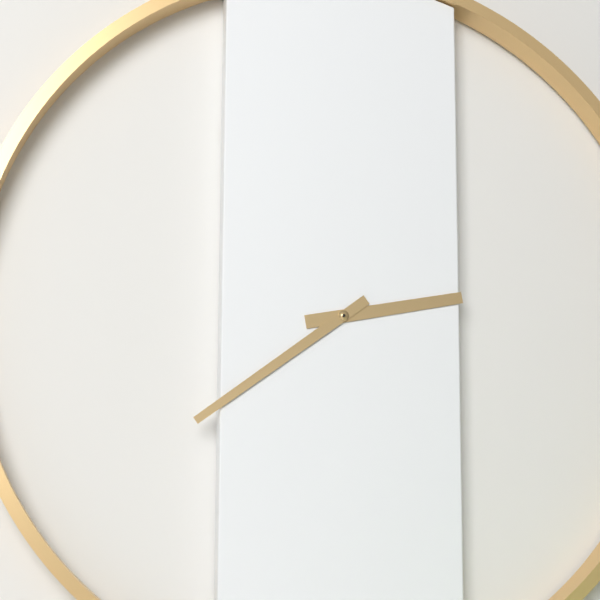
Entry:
2.39
